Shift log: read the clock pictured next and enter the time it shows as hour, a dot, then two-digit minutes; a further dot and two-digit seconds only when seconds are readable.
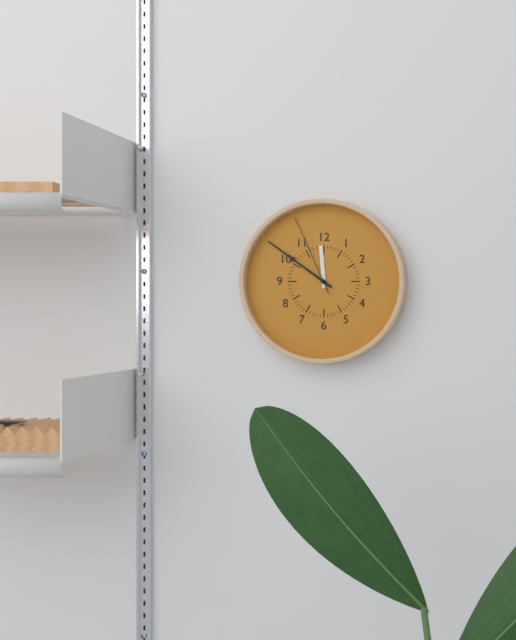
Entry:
11.51.56
